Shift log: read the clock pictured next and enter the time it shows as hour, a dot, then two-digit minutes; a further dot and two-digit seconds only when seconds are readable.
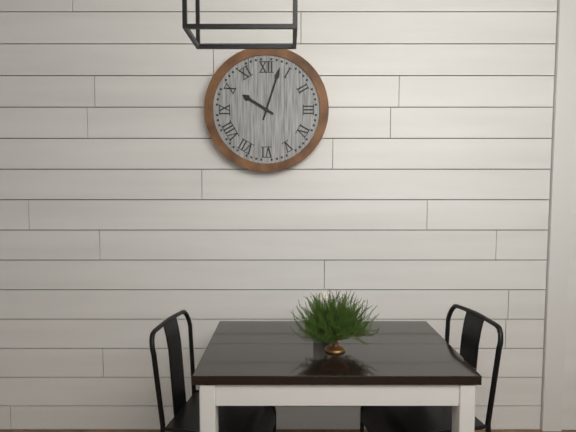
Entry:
10.03
